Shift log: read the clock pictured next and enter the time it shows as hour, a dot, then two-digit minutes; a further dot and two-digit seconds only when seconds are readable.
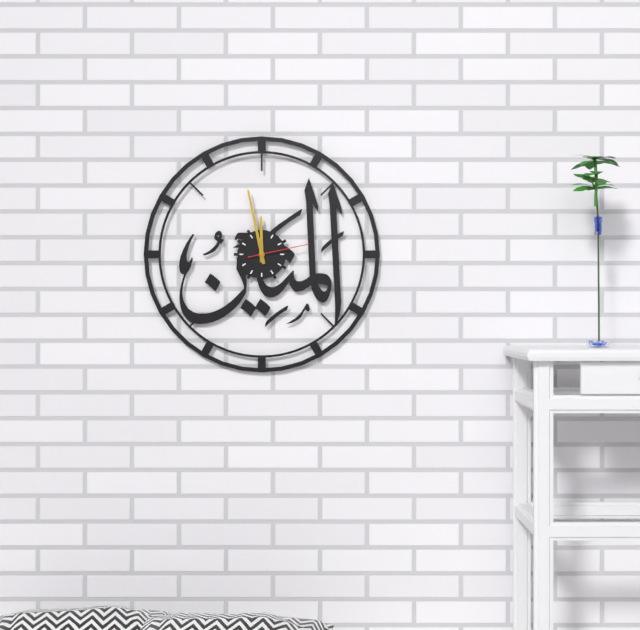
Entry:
11.58.13
